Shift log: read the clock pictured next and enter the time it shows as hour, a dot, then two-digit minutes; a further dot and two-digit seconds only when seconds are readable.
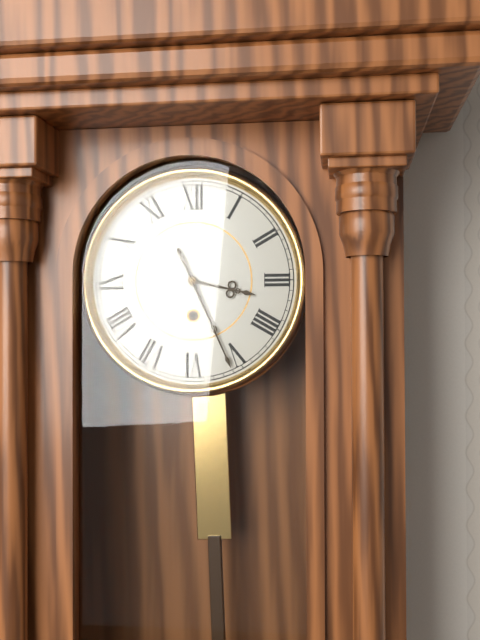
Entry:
3.26
